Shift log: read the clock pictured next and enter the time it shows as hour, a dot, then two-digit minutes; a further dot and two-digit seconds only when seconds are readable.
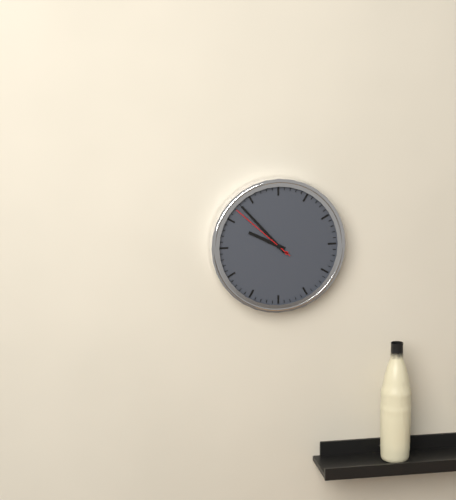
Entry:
9.53.52
